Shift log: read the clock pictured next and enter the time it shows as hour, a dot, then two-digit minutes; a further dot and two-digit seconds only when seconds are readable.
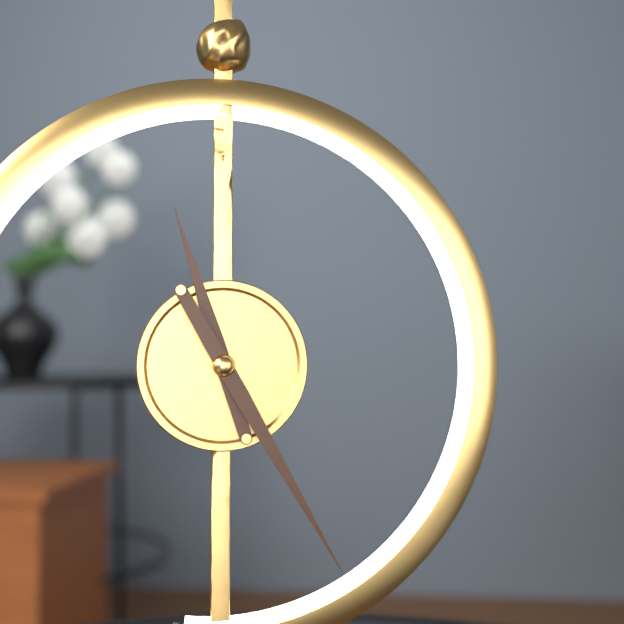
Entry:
11.25
